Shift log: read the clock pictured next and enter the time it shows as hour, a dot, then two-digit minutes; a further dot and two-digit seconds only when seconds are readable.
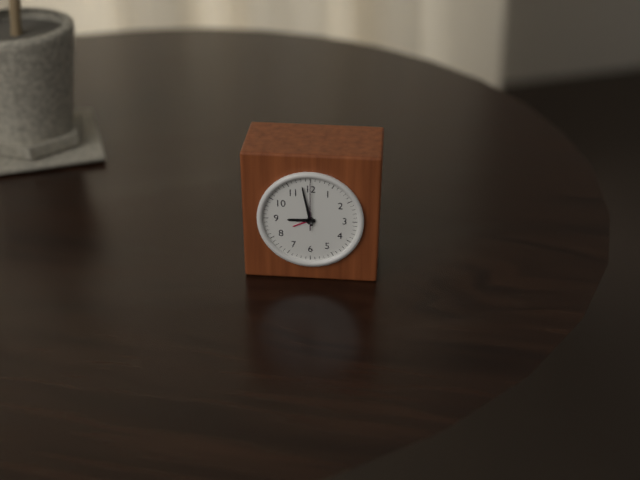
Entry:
8.58.00
